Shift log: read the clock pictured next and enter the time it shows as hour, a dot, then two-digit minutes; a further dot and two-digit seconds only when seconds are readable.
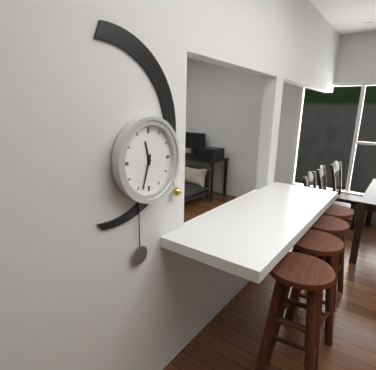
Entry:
11.33
